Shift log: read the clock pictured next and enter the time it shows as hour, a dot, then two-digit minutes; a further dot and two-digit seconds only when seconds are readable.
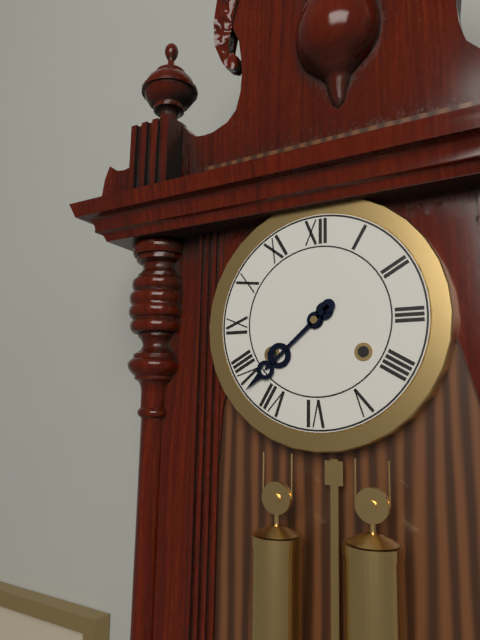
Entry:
7.38
